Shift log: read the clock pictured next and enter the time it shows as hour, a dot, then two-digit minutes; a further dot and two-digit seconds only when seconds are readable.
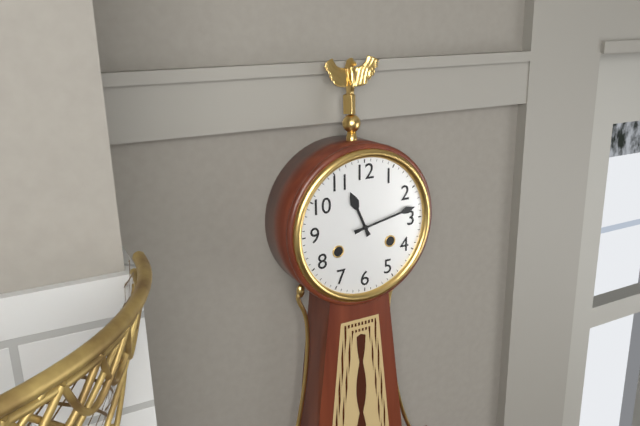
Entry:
11.13
